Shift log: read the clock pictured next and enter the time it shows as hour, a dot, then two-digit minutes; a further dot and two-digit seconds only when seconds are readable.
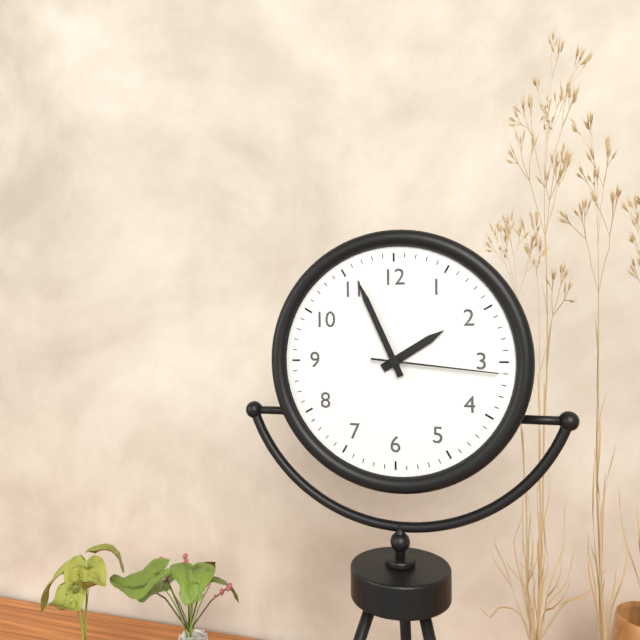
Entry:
1.56.16
